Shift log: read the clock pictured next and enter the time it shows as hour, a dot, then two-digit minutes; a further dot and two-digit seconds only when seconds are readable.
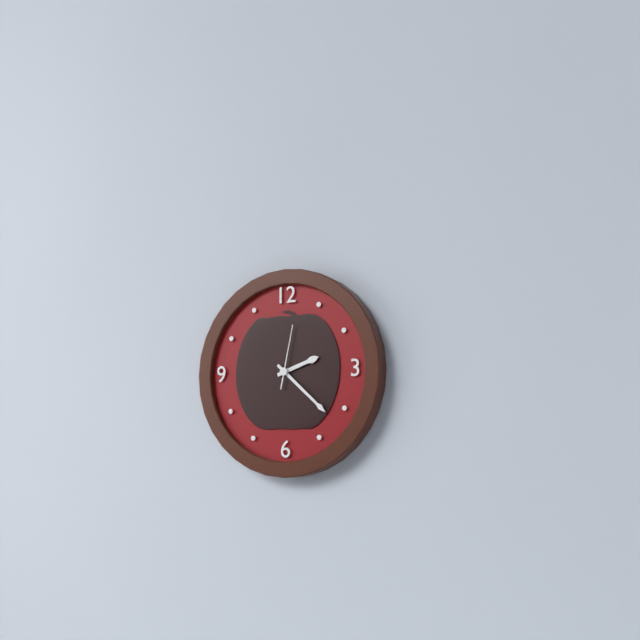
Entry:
2.22.02
